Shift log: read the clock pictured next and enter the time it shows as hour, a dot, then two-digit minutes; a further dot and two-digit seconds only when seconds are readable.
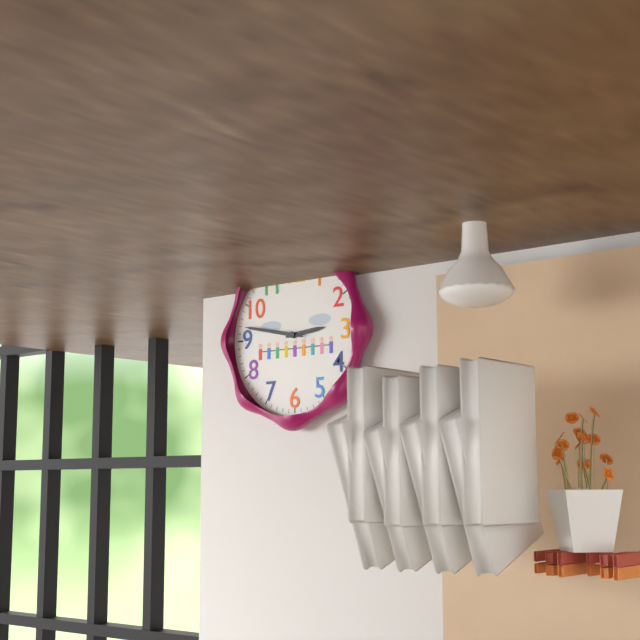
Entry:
2.47
